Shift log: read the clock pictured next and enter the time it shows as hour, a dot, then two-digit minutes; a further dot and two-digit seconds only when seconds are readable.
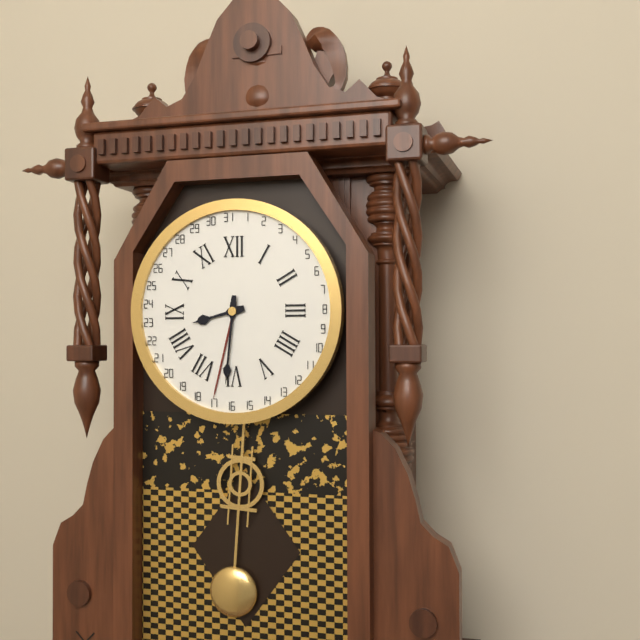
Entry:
8.31
